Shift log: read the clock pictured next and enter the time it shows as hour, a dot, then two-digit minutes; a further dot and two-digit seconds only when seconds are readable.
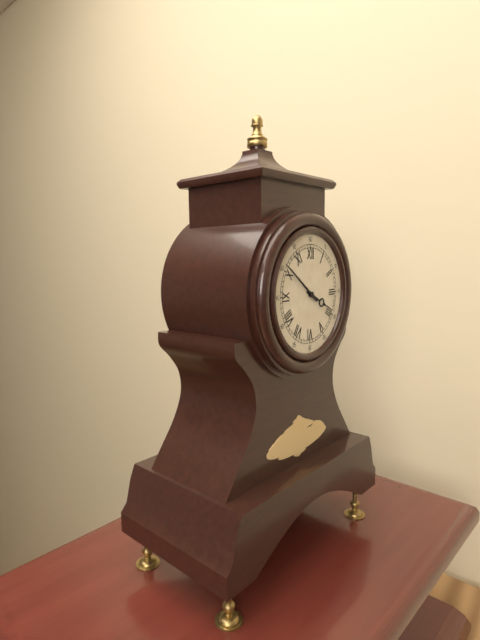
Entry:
3.51
